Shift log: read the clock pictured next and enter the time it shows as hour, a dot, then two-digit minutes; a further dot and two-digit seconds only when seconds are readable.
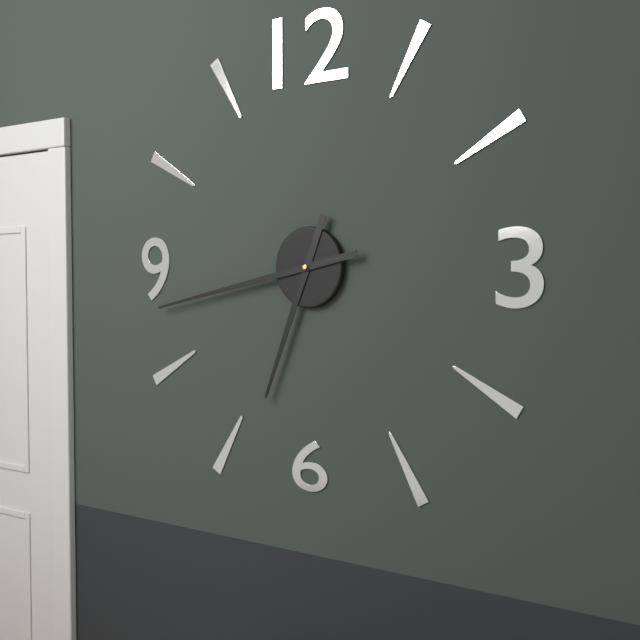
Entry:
6.43
